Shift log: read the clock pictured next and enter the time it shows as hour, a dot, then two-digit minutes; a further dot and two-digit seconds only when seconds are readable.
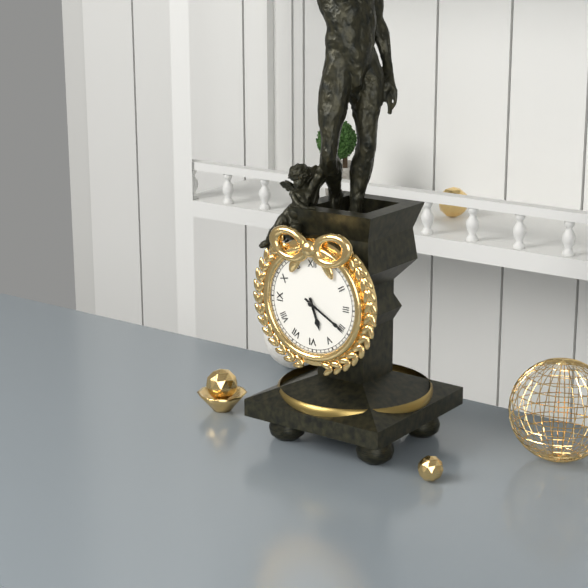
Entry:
5.20
